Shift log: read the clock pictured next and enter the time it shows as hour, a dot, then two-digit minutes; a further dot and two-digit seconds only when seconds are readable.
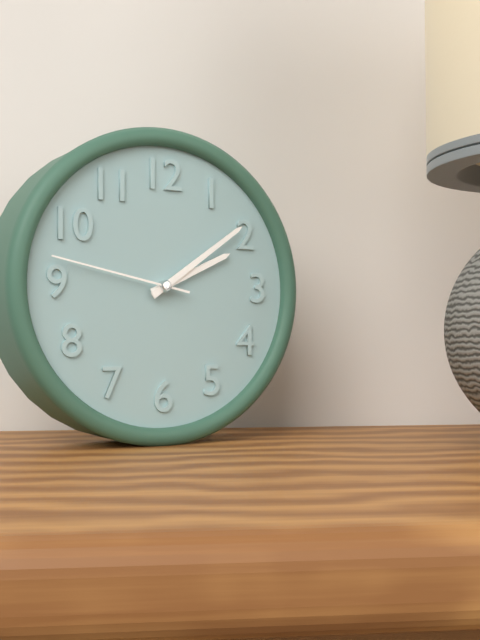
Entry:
2.09.47
